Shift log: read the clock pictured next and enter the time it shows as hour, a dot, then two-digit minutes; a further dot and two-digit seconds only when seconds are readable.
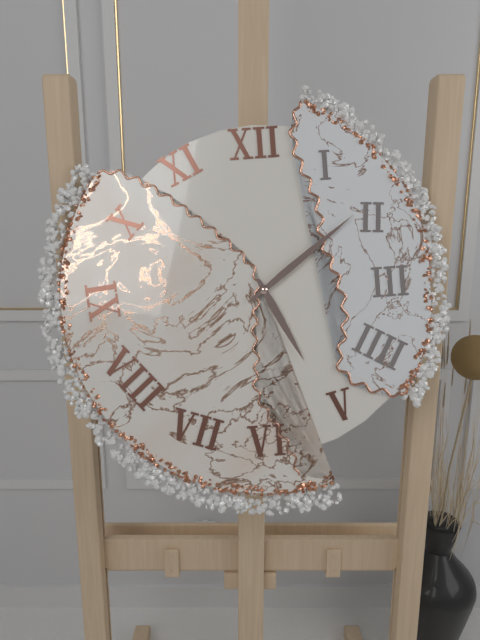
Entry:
5.09
